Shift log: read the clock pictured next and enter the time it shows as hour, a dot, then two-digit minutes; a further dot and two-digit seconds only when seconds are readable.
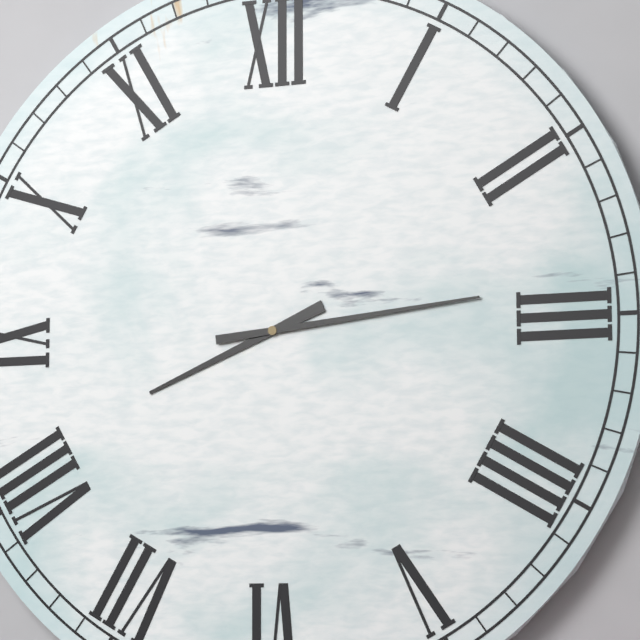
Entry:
8.14
